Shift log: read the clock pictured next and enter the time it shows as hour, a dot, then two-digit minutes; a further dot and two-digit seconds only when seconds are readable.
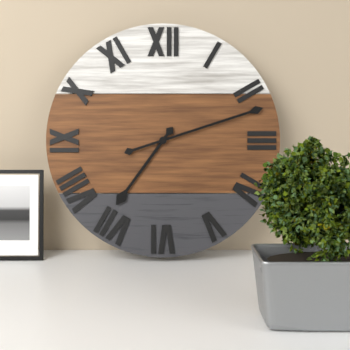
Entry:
7.12
